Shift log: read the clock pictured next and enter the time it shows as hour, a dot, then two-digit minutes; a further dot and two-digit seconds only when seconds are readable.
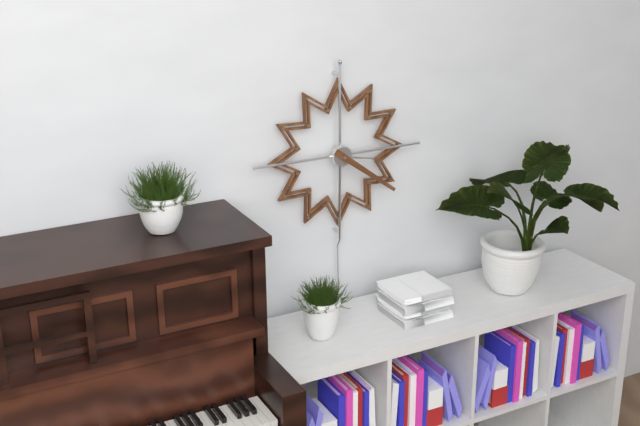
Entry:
3.21
